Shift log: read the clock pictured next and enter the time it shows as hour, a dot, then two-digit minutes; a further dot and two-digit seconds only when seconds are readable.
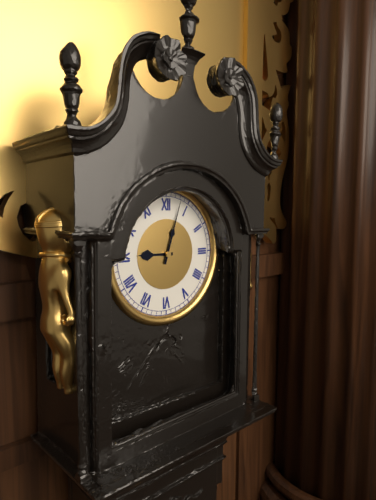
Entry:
9.03
